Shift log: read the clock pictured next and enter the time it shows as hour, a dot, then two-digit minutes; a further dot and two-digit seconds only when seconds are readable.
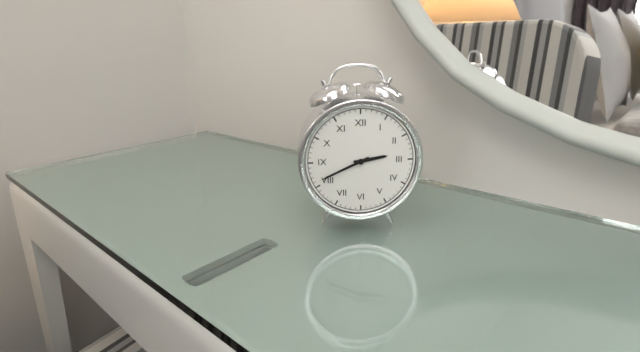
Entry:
2.41
